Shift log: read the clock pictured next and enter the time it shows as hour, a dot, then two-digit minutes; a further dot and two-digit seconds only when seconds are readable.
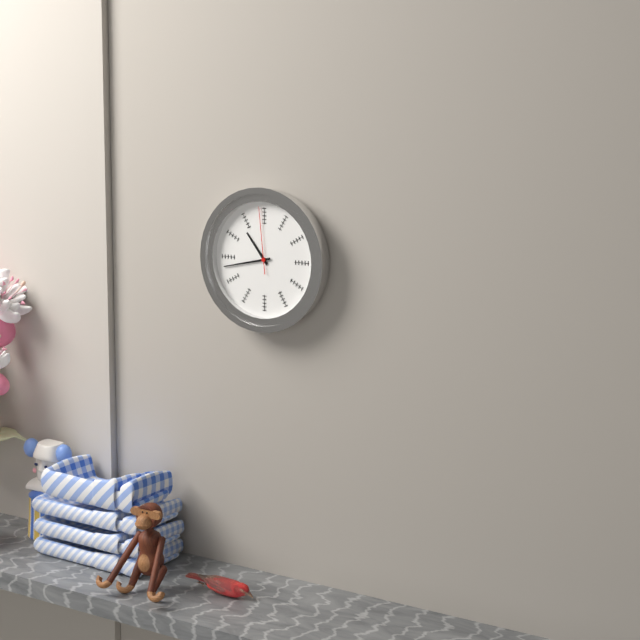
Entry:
10.43.59
